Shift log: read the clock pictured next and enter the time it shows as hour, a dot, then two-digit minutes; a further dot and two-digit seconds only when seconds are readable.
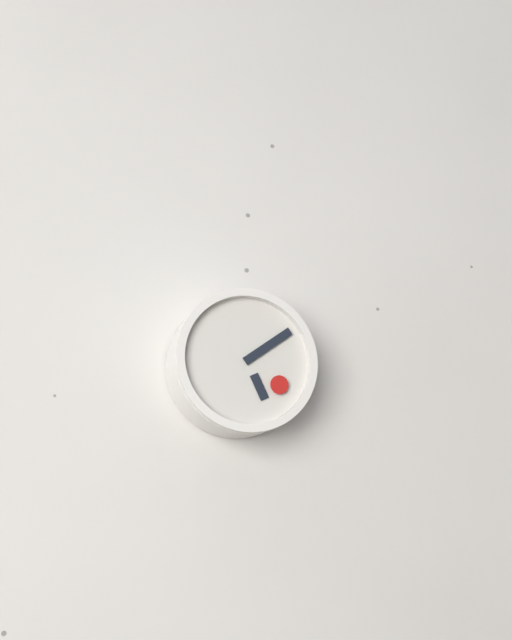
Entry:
5.09.21
